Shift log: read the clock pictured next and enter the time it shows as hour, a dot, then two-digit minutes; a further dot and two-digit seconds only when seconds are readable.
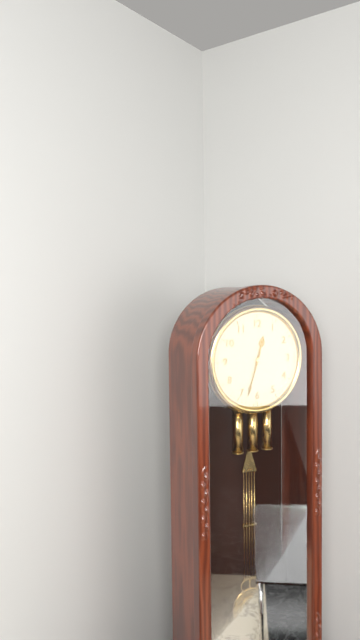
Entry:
12.33
